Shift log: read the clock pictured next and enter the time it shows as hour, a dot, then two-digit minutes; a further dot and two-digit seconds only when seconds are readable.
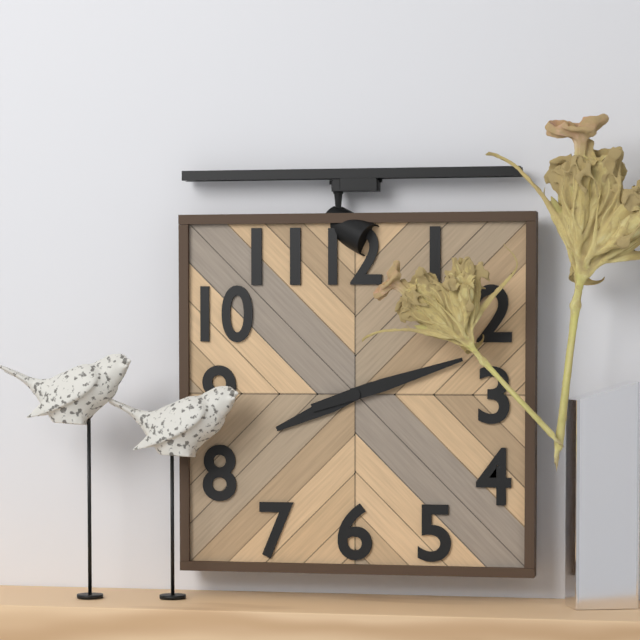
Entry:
8.12
